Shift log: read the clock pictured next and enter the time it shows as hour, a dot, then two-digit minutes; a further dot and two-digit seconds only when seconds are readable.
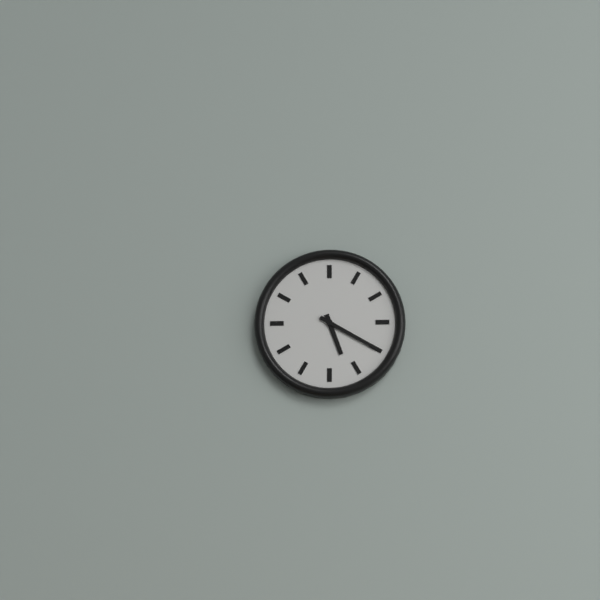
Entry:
5.20
